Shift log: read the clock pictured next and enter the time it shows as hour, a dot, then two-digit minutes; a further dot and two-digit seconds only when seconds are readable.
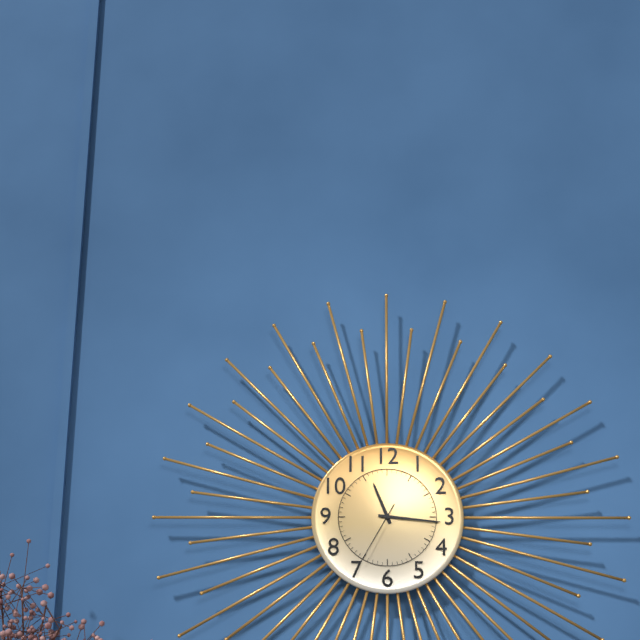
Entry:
11.16.35
